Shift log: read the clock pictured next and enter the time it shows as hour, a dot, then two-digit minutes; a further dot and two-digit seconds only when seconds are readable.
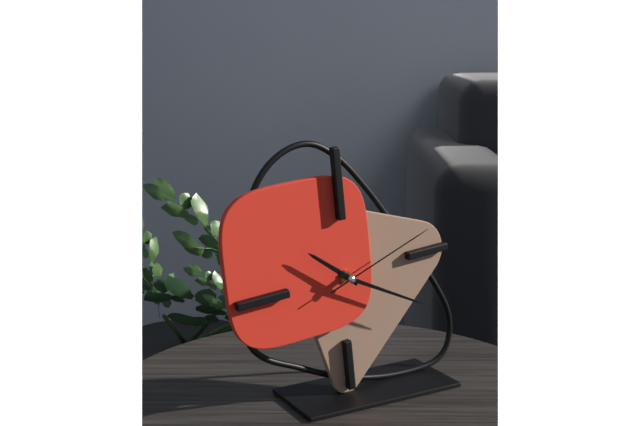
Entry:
10.20.12
